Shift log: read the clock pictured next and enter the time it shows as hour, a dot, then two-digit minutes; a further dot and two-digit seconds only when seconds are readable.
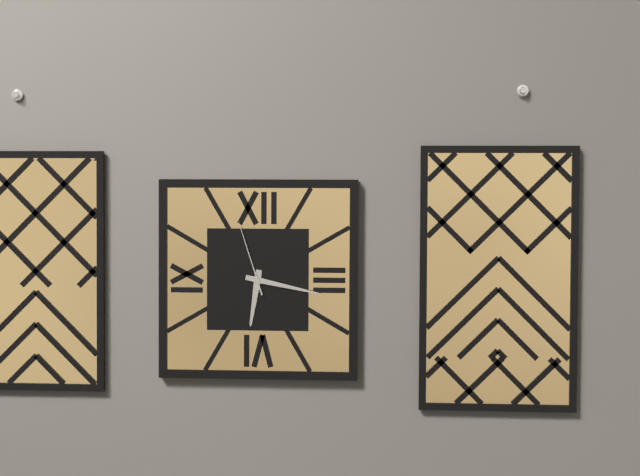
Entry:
6.17.57
